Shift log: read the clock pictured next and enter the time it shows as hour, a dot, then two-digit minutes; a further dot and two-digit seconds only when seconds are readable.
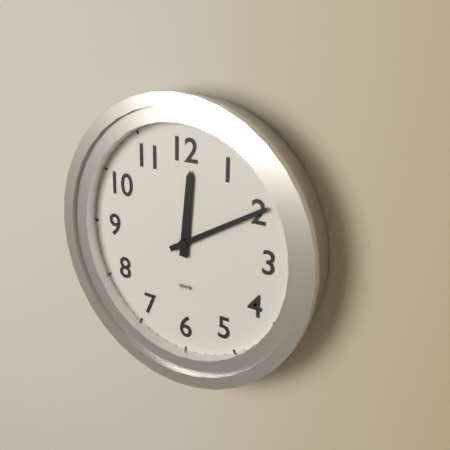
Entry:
12.10
